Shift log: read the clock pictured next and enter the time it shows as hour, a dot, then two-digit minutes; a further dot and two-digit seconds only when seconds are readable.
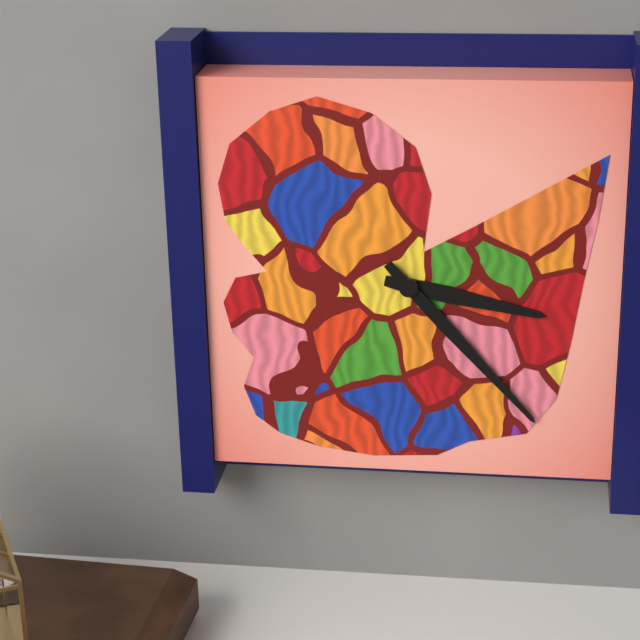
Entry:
3.23
